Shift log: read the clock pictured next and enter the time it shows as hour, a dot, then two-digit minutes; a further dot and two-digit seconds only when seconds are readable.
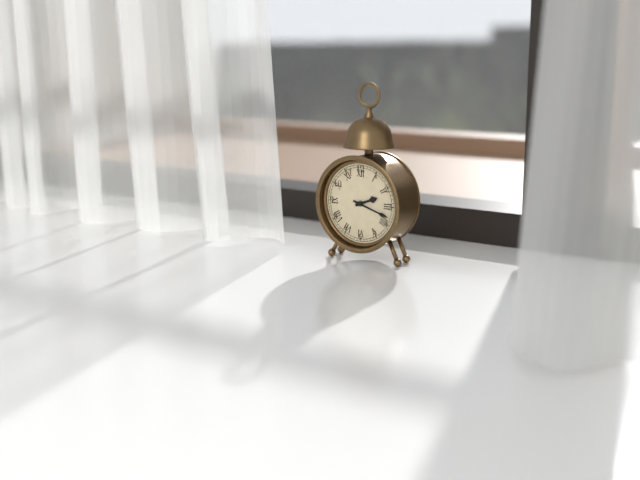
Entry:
2.18
